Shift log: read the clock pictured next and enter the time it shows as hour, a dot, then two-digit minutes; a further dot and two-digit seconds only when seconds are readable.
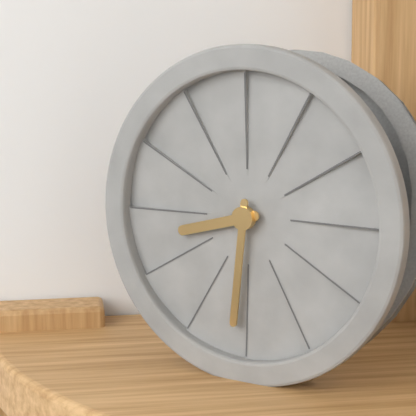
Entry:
8.31
